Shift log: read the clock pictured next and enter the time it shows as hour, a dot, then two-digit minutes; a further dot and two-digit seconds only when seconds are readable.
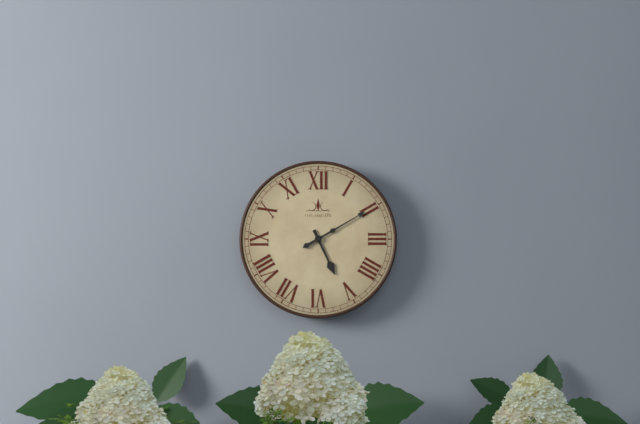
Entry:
5.10
